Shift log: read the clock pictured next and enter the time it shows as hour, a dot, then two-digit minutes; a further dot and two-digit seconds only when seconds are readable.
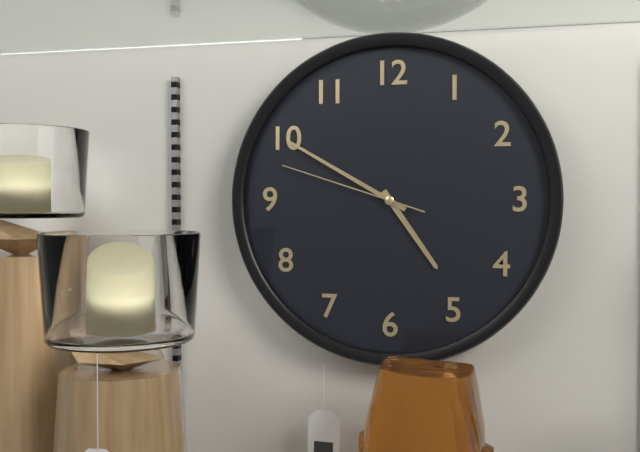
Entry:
4.50.48
